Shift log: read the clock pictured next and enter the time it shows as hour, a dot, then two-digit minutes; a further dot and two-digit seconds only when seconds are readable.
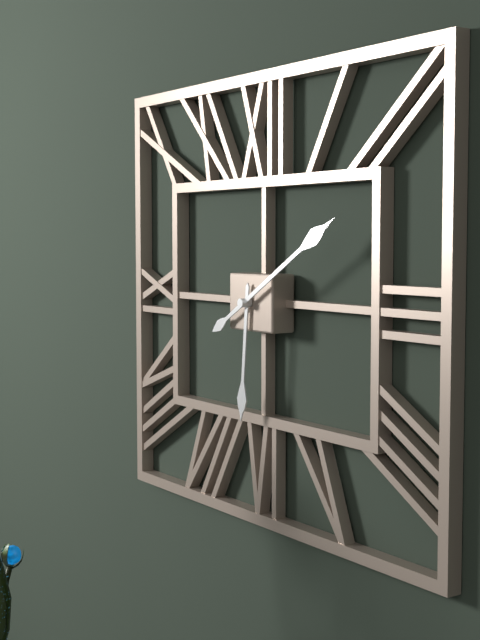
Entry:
6.10
